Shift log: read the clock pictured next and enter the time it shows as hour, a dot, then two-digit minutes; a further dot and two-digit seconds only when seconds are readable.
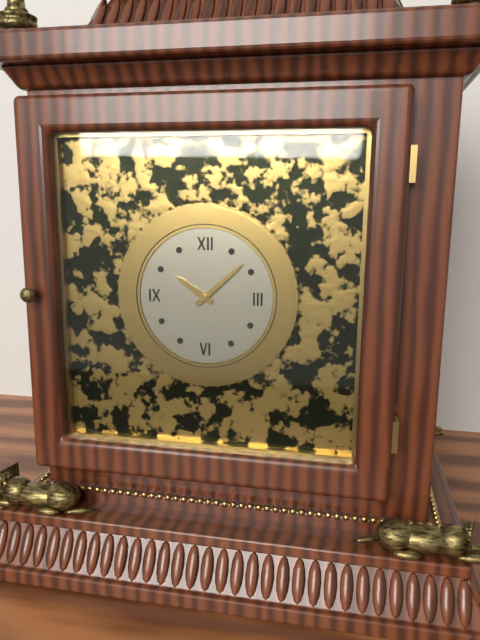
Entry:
10.08
